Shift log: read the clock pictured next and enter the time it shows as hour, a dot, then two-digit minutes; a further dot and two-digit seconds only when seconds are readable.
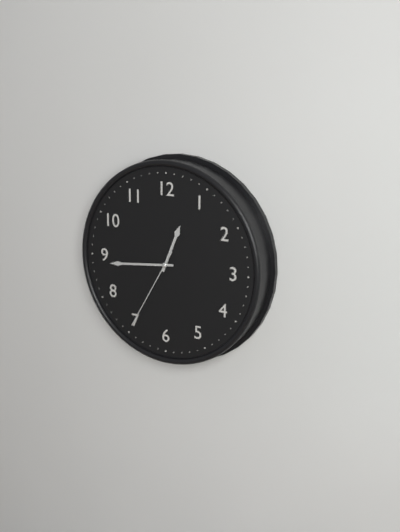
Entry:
12.44.35
